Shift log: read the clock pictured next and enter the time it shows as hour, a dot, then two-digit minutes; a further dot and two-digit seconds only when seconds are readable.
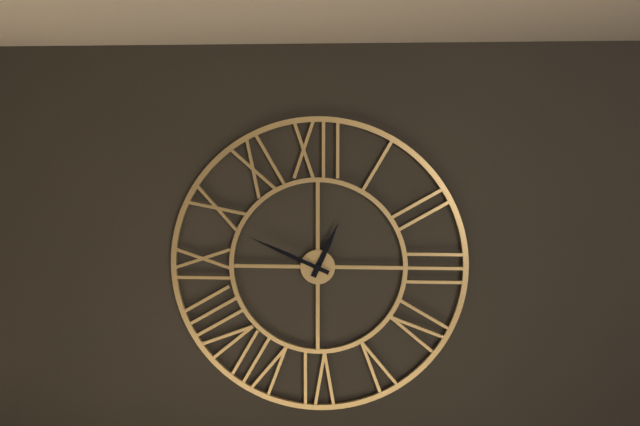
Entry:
12.49
